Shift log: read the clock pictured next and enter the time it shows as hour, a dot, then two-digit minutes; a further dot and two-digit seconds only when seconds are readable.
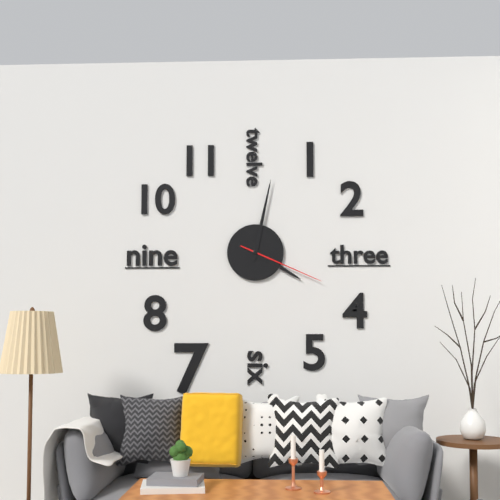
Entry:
4.02.19
